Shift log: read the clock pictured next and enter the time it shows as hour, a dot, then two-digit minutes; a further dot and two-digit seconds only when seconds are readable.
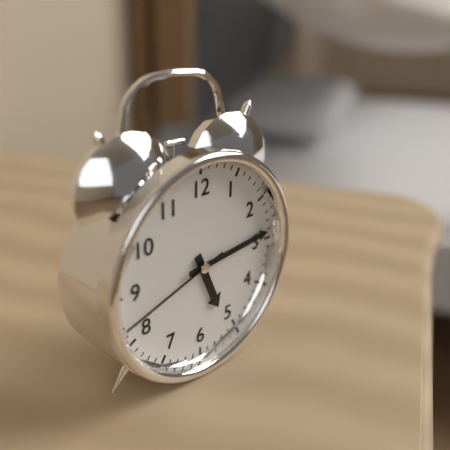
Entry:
5.14.42
